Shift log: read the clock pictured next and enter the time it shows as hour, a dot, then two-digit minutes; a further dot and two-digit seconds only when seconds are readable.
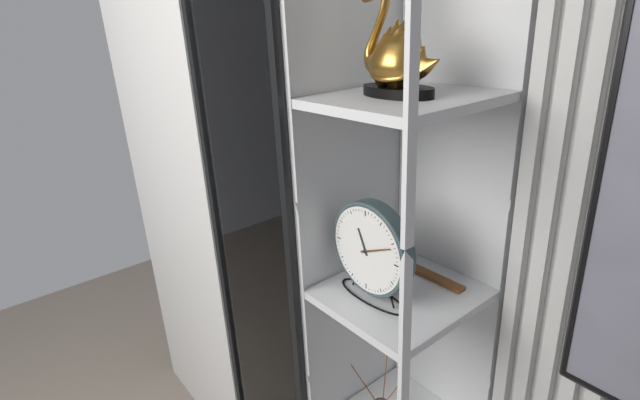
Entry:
11.11
